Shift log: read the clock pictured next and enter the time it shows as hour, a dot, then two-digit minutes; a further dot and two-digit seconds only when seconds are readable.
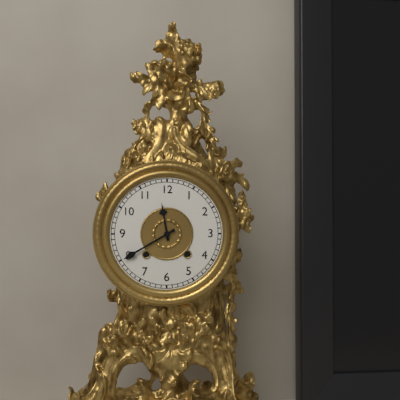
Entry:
11.40
